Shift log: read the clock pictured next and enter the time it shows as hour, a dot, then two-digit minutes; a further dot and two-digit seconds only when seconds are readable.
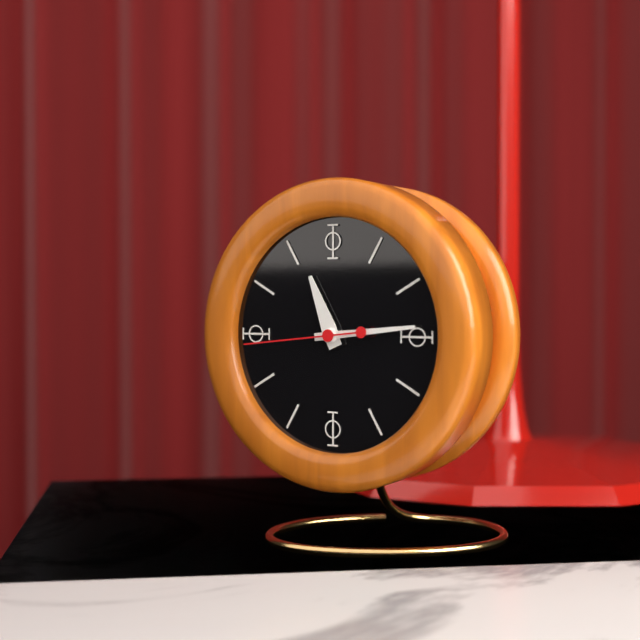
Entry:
11.14.44
